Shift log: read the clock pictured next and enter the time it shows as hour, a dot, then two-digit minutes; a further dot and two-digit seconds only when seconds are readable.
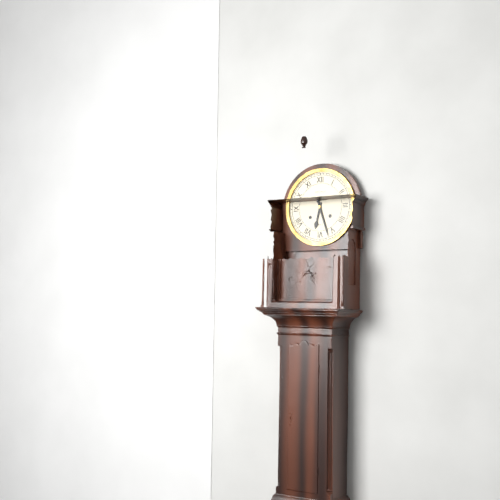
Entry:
6.27
